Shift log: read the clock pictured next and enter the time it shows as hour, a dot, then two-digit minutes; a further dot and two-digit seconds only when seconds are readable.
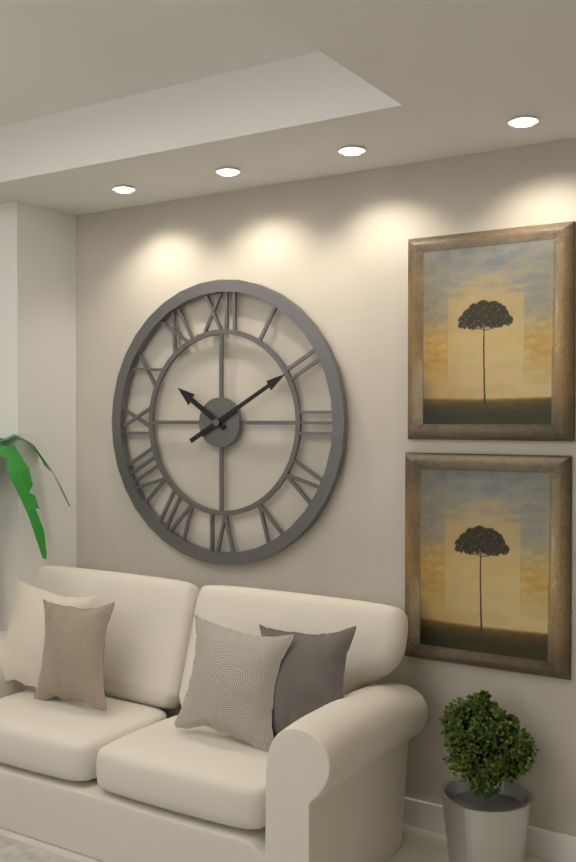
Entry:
10.10
